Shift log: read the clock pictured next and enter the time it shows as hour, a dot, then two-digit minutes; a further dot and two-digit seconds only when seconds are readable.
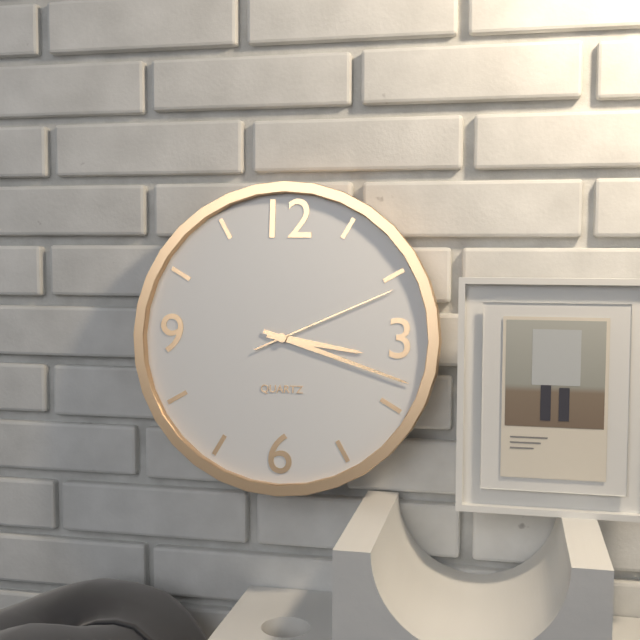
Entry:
3.18.11
